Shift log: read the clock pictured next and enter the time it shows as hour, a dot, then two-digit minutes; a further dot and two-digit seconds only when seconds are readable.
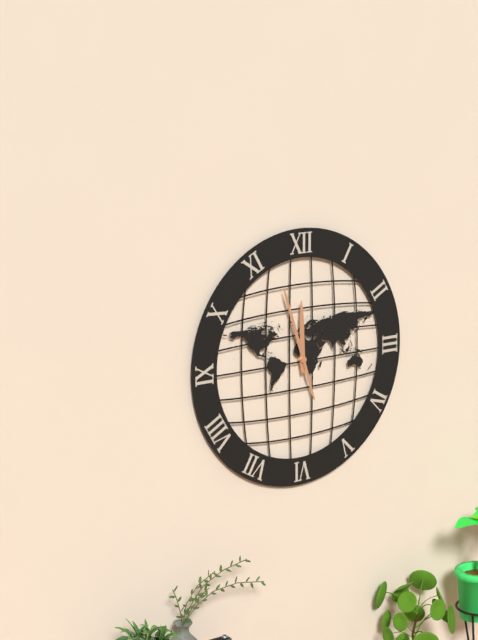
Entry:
11.57
